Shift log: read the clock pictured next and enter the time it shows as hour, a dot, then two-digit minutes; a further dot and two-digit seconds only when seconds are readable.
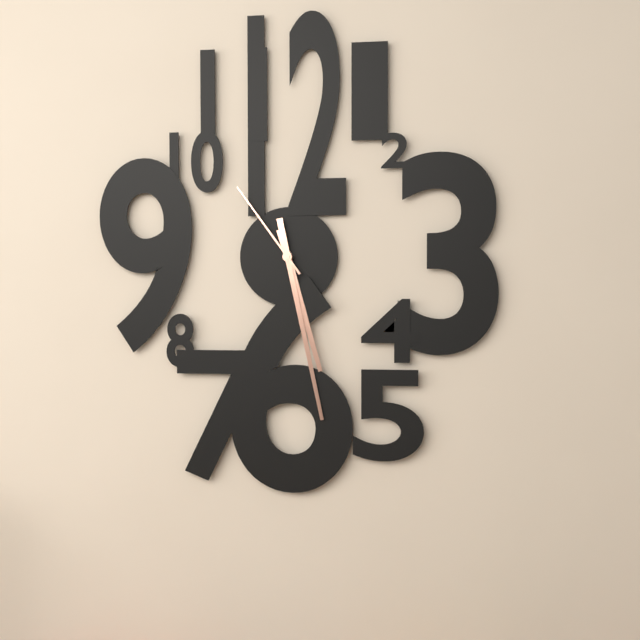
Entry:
5.28.54
